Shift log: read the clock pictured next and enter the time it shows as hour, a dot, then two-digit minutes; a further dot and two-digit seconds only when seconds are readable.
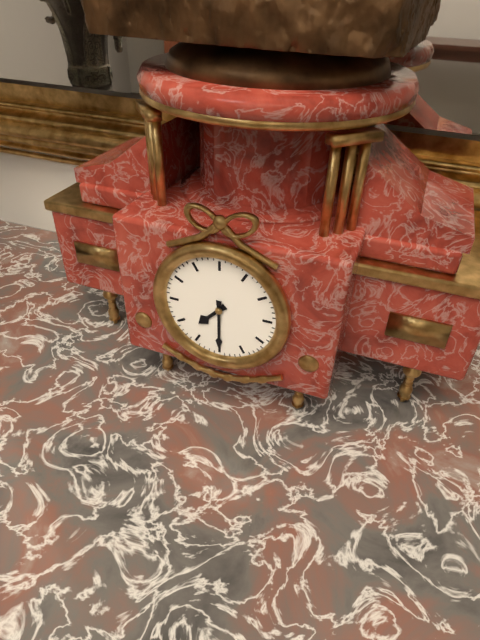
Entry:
7.30
